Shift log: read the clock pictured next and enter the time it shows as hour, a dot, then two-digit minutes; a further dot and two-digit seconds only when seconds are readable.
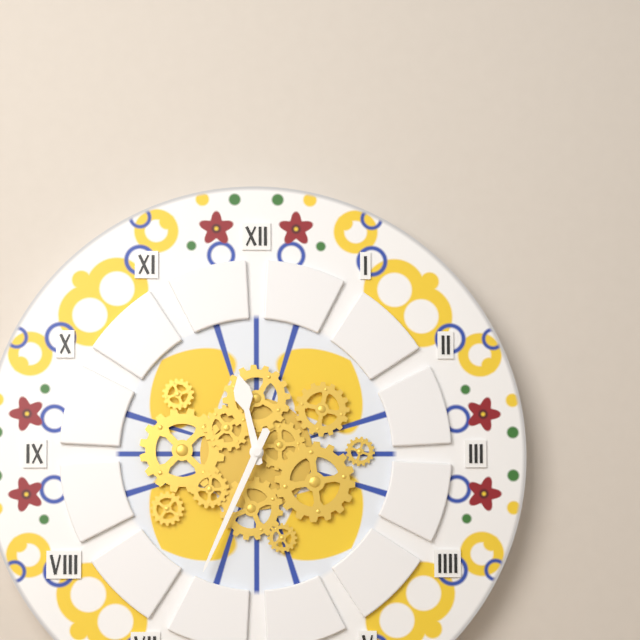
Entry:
11.34
